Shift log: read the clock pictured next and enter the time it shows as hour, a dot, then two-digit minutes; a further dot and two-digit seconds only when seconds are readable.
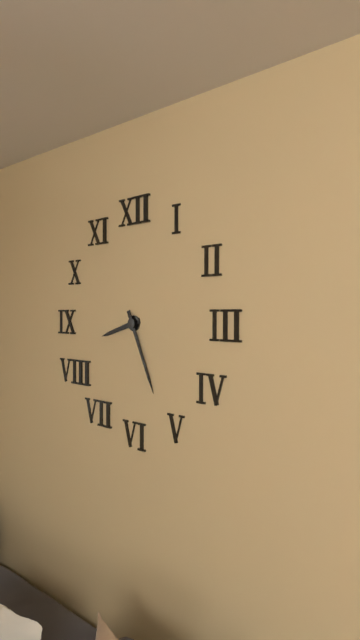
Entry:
8.26
